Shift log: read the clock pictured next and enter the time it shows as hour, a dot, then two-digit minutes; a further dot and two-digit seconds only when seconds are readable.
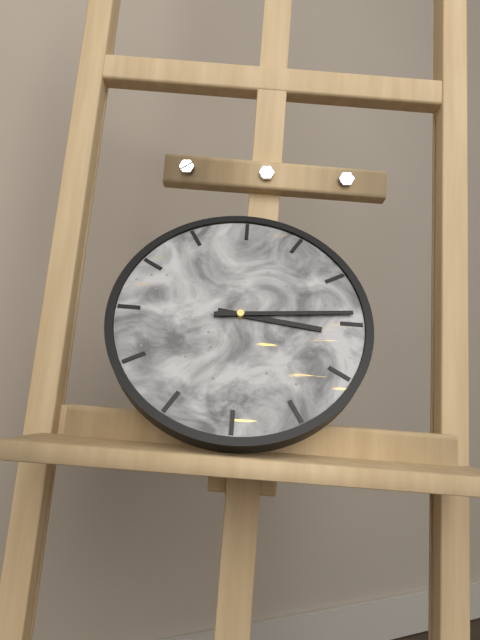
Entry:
3.14
